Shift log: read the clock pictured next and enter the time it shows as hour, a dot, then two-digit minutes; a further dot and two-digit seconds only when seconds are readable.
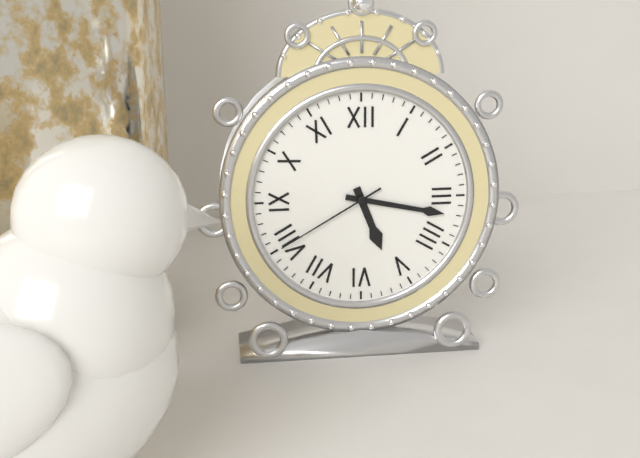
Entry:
5.17.40
